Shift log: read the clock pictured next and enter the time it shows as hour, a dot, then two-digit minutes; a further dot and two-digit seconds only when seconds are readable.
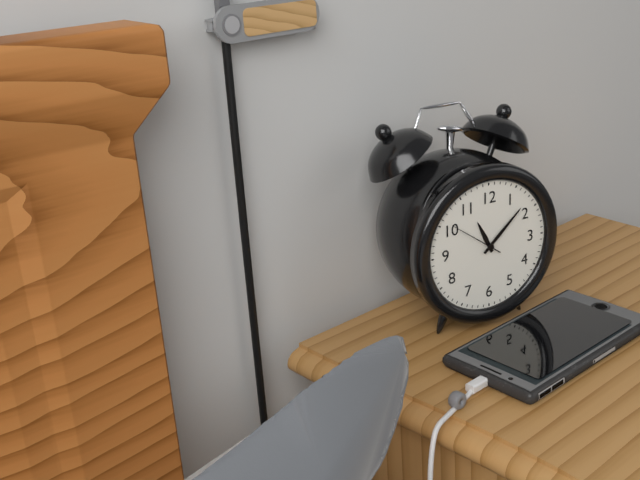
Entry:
11.08.51
